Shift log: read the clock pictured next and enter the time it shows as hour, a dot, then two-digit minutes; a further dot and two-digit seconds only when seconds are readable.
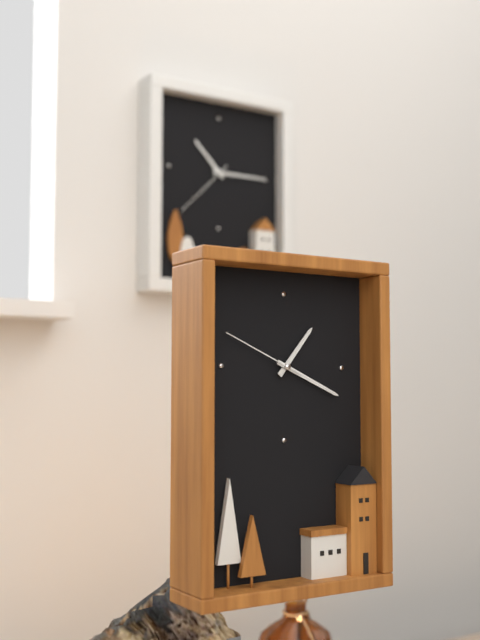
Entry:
1.19.49
